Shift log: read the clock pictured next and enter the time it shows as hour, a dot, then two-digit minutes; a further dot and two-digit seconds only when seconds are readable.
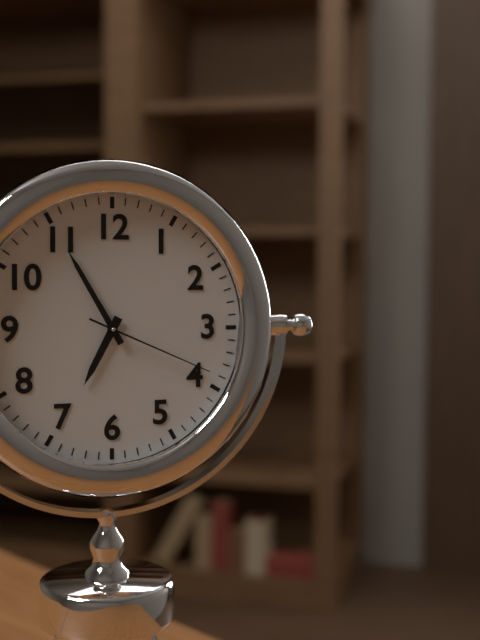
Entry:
6.55.19
